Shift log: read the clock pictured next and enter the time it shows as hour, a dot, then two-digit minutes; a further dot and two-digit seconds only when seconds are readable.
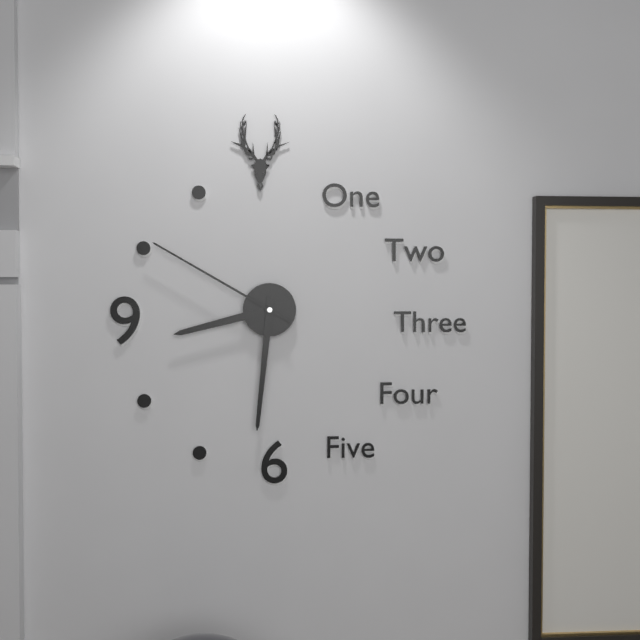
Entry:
8.31.50
